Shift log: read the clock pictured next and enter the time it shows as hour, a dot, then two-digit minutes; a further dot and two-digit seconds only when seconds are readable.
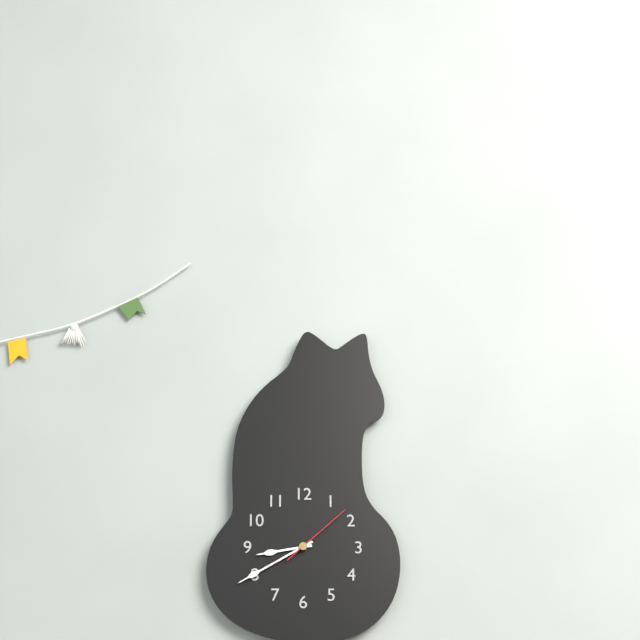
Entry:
8.40.08
